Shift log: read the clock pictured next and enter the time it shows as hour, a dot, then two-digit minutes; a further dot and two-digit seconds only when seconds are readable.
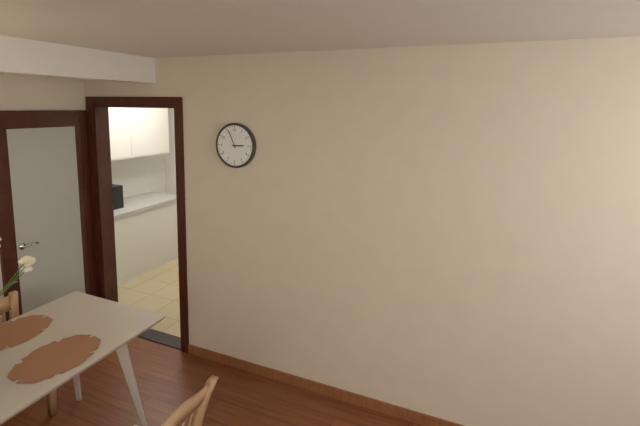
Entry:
2.56
